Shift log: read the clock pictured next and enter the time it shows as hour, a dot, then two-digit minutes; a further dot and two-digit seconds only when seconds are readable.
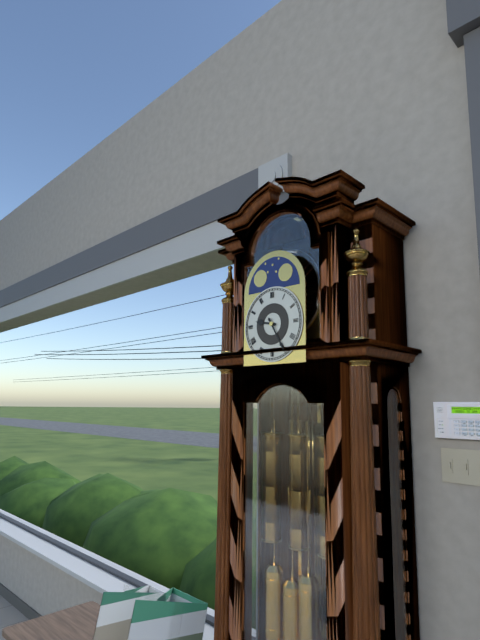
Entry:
9.25
